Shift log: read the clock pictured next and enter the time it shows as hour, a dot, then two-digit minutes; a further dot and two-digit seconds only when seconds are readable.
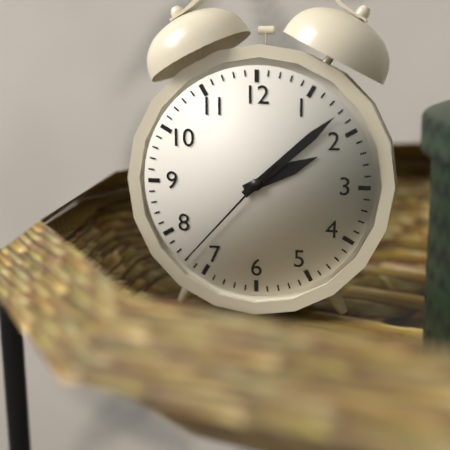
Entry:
2.08.37
